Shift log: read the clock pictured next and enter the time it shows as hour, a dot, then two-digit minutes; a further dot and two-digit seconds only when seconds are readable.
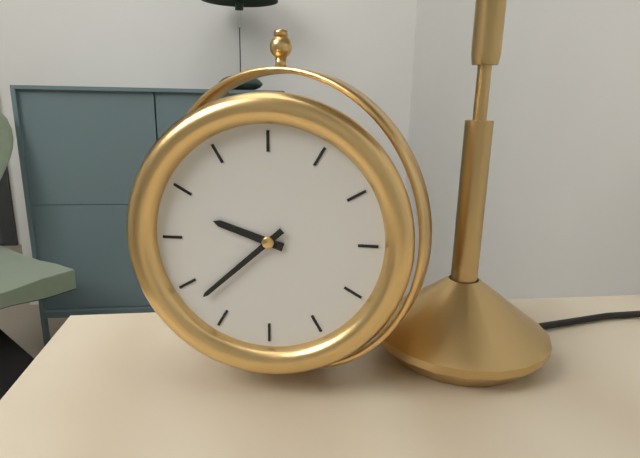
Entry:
9.38
